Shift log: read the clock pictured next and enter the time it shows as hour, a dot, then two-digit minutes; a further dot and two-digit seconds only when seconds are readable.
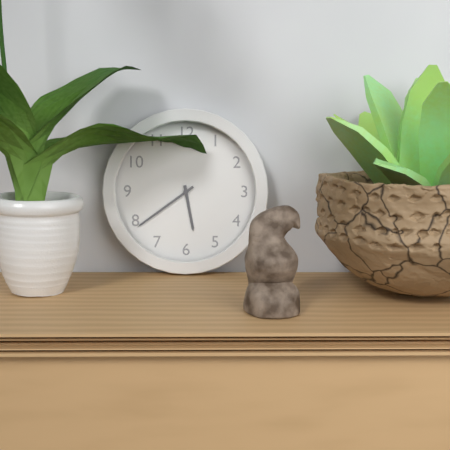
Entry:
5.39
